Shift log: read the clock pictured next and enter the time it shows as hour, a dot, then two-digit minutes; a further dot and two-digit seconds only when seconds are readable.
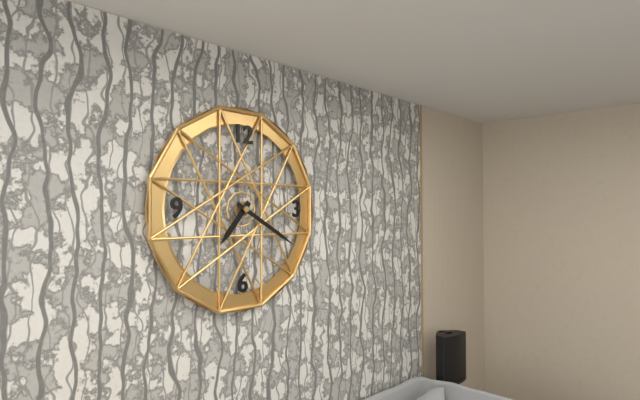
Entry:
7.20
